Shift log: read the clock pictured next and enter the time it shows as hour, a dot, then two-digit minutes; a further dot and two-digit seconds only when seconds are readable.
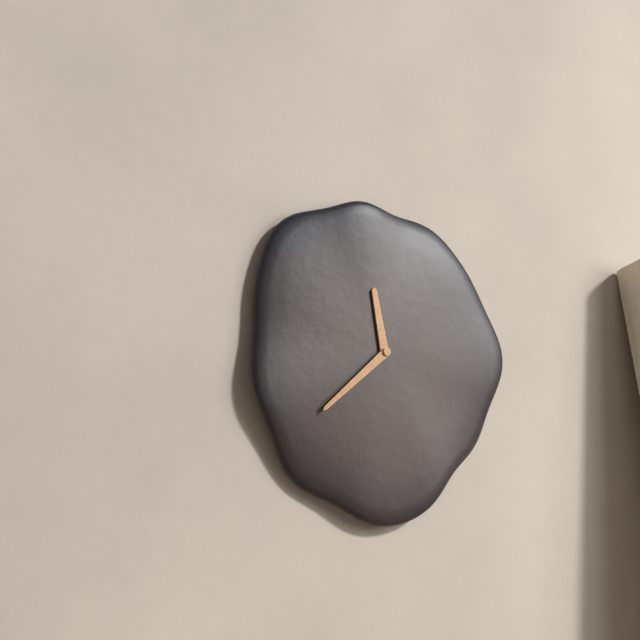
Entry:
11.38
